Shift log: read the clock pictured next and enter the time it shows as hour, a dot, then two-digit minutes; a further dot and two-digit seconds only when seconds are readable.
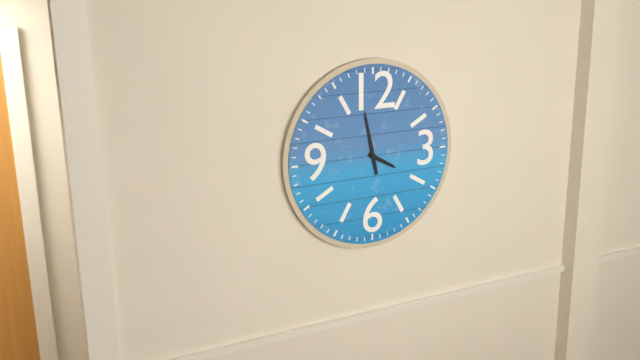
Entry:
3.58
